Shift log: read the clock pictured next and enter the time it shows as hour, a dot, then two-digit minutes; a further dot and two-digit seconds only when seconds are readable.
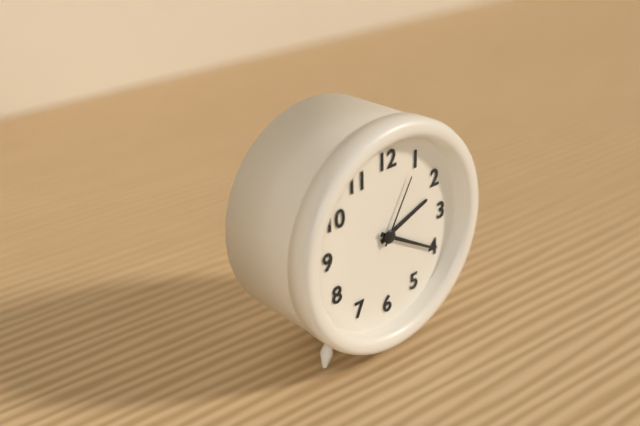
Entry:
2.20.05
